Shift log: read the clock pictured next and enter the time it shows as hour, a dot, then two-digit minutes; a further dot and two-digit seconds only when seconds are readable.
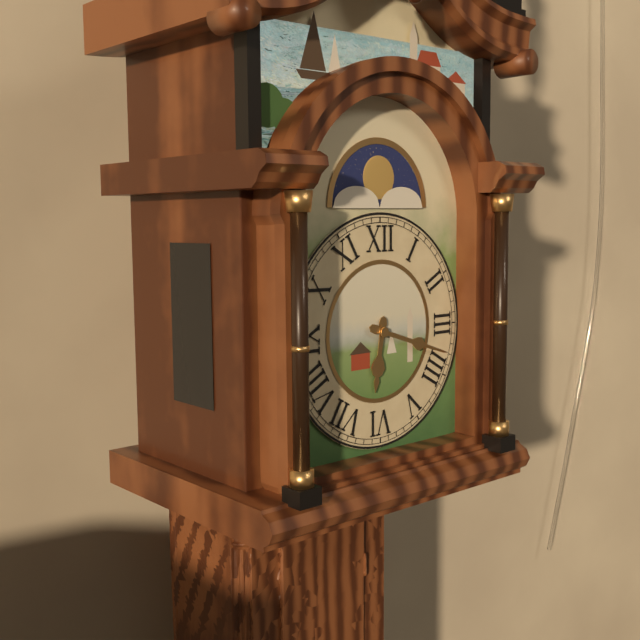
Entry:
6.18
